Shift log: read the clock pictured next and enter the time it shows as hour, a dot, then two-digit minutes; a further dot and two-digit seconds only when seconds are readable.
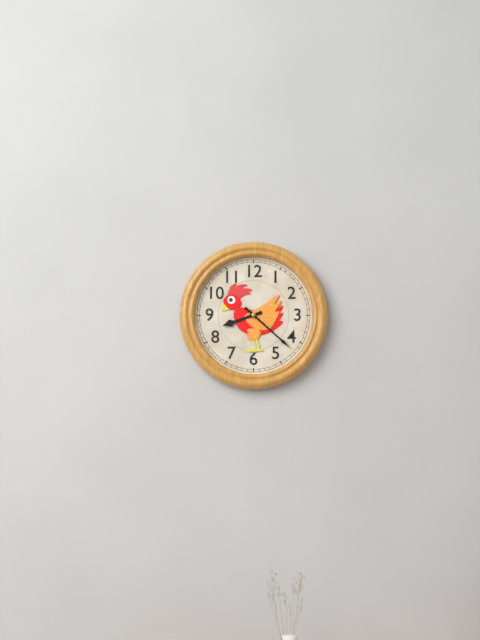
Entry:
8.22
